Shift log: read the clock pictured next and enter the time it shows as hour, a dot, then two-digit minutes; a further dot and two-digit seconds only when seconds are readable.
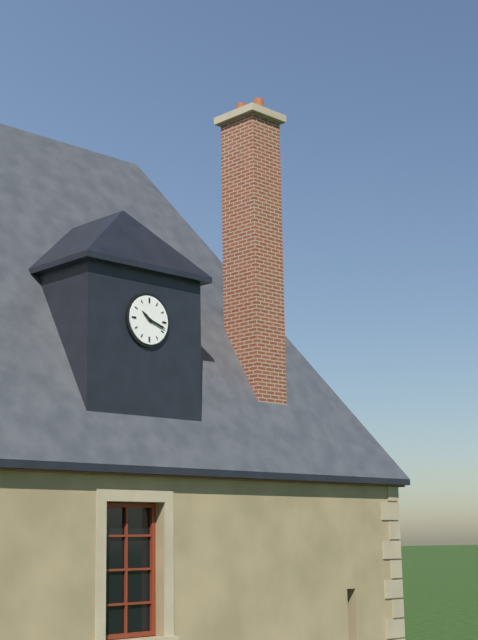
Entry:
10.18
